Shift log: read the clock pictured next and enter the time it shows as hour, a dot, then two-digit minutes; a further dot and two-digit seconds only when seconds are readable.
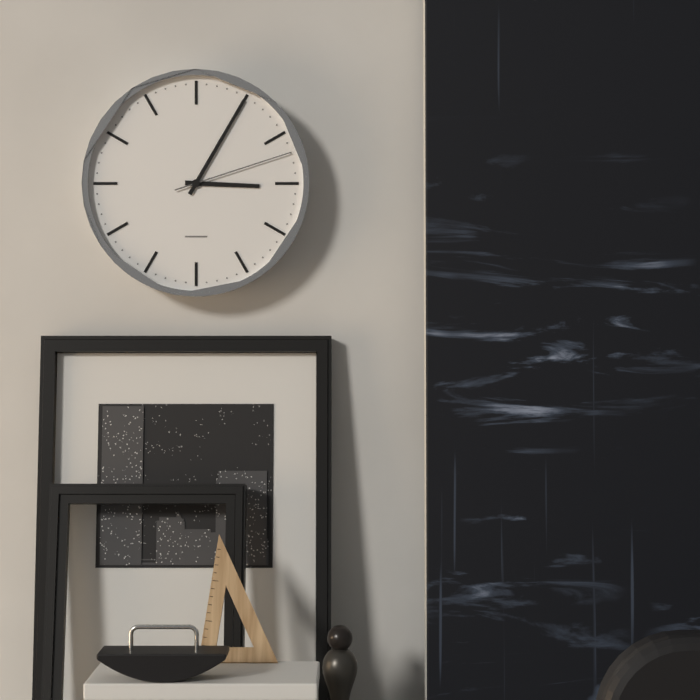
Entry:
3.05.12
